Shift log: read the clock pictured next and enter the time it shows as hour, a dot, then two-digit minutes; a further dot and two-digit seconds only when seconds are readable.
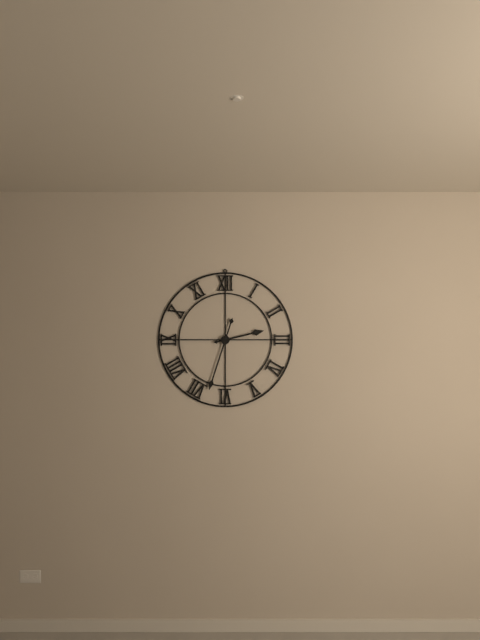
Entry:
2.33
